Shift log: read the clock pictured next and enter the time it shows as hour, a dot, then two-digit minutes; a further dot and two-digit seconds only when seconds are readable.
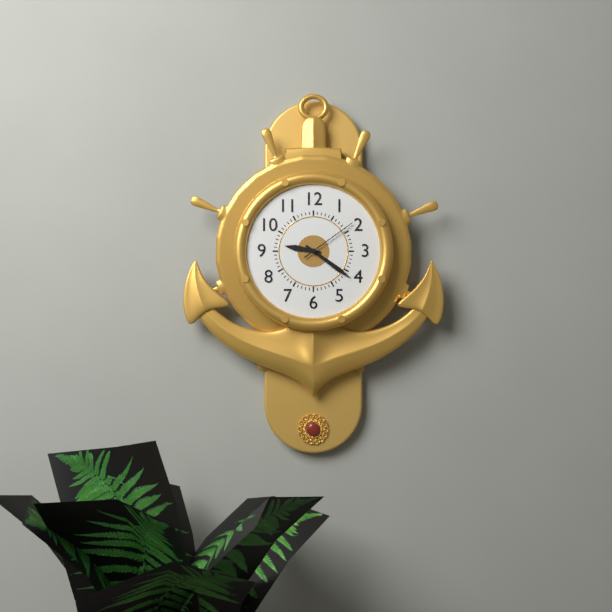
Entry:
9.21.09
